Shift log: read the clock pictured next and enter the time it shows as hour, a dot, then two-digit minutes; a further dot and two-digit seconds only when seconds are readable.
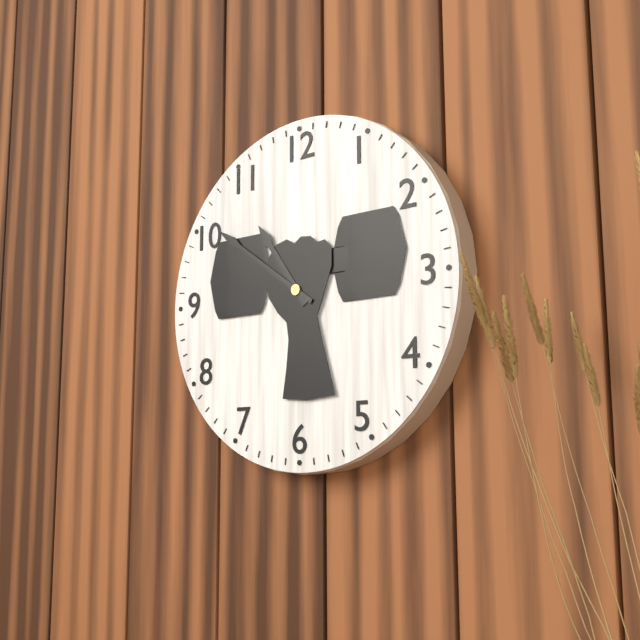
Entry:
10.51
